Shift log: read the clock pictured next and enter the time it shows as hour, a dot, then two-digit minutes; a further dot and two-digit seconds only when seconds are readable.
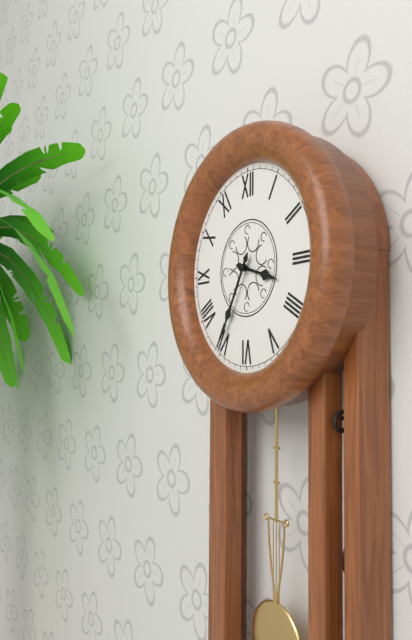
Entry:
3.35
